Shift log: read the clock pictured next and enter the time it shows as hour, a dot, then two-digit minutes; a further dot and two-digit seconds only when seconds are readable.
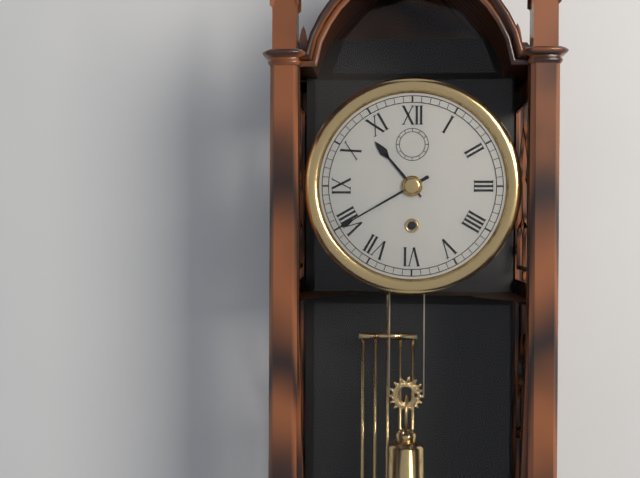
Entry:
10.40
